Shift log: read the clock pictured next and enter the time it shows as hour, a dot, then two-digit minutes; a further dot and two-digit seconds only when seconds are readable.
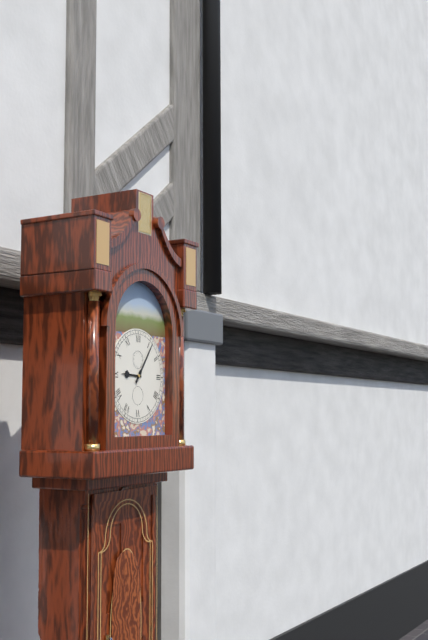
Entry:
9.06
